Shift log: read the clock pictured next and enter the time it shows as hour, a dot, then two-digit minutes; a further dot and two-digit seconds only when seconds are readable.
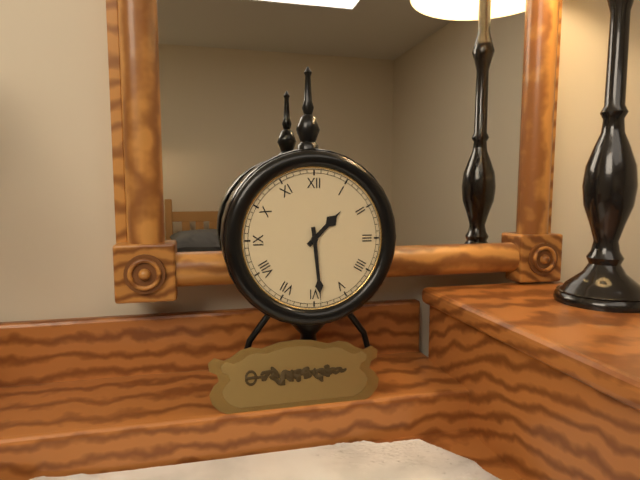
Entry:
1.29
